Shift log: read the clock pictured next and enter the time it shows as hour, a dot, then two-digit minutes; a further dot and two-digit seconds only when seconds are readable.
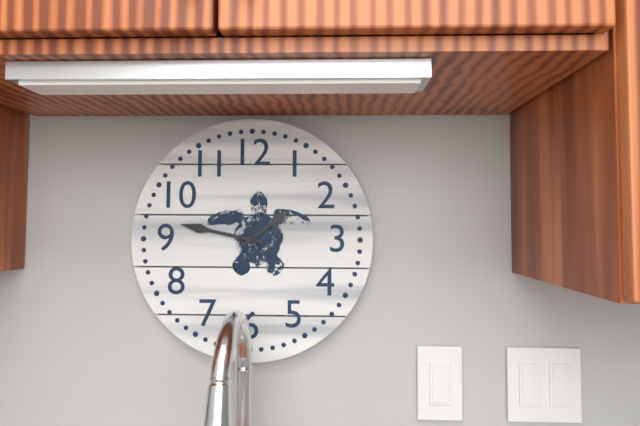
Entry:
1.47
